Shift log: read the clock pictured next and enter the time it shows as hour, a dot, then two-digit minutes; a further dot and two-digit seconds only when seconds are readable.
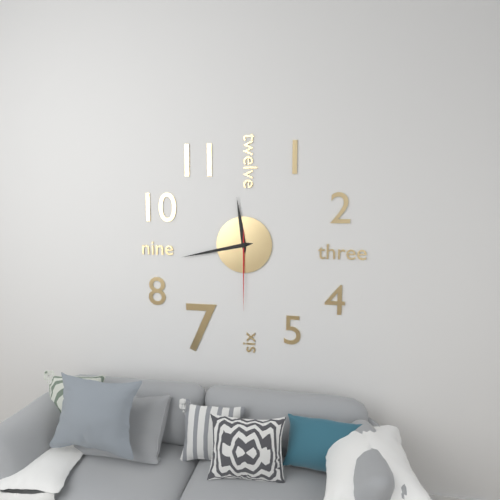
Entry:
11.43.30
